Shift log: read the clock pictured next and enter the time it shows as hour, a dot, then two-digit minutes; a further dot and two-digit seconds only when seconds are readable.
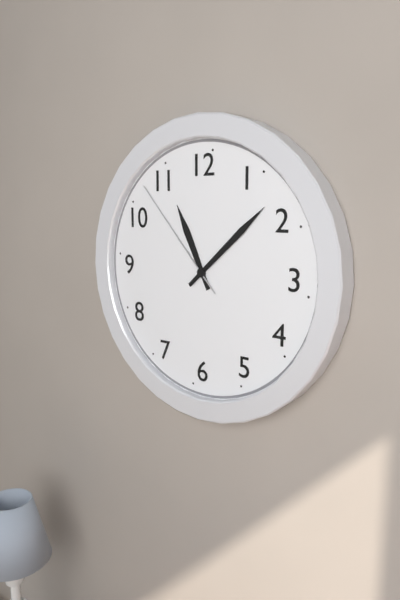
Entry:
11.08.53
